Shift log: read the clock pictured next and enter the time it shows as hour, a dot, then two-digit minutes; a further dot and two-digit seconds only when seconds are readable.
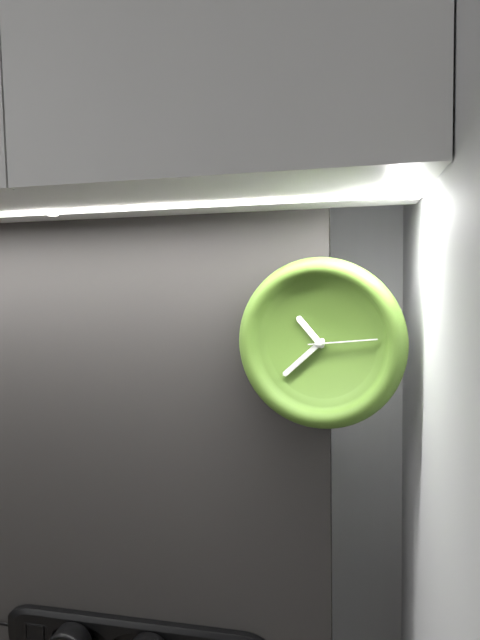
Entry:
10.38.14
